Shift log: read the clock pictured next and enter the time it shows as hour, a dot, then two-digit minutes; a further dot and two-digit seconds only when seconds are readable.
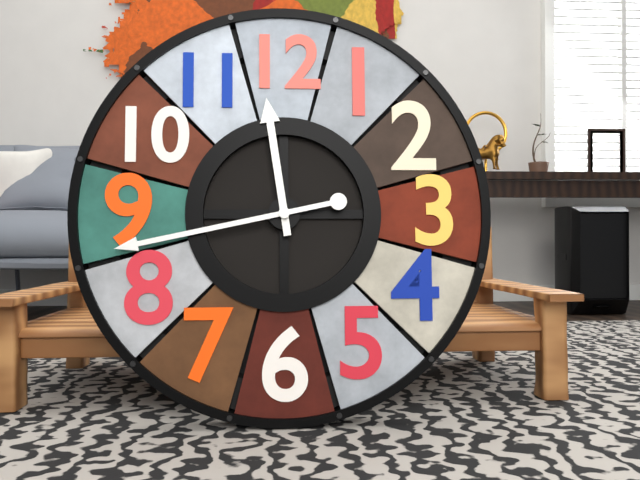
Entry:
11.43
